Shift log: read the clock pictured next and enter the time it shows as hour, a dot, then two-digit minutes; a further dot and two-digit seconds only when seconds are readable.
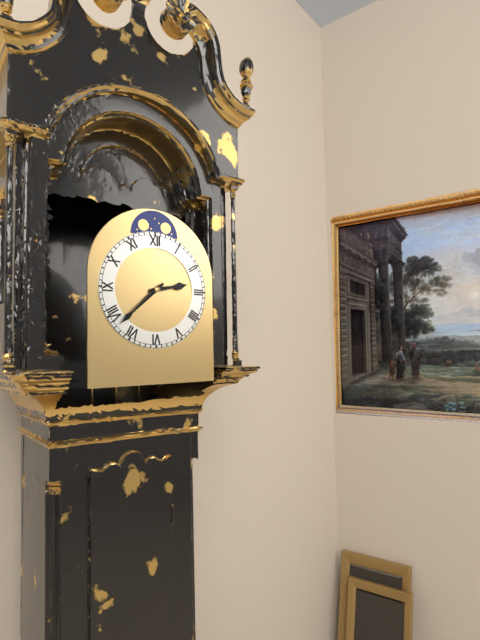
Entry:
2.38
